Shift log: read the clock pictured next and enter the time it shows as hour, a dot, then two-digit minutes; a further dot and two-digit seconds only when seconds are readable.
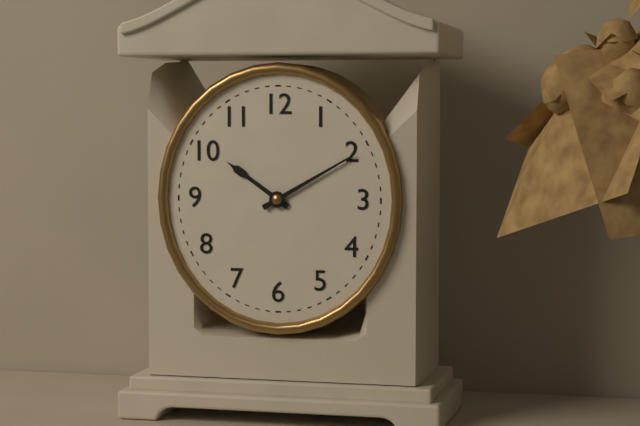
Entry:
10.10
